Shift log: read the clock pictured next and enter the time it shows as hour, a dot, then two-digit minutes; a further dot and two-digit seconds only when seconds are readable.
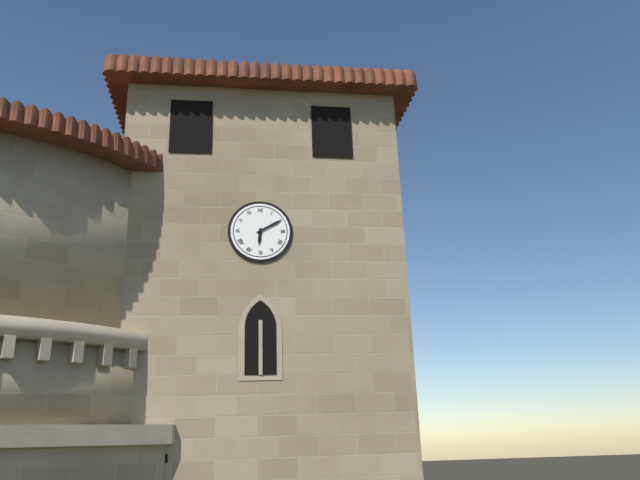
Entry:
6.10
